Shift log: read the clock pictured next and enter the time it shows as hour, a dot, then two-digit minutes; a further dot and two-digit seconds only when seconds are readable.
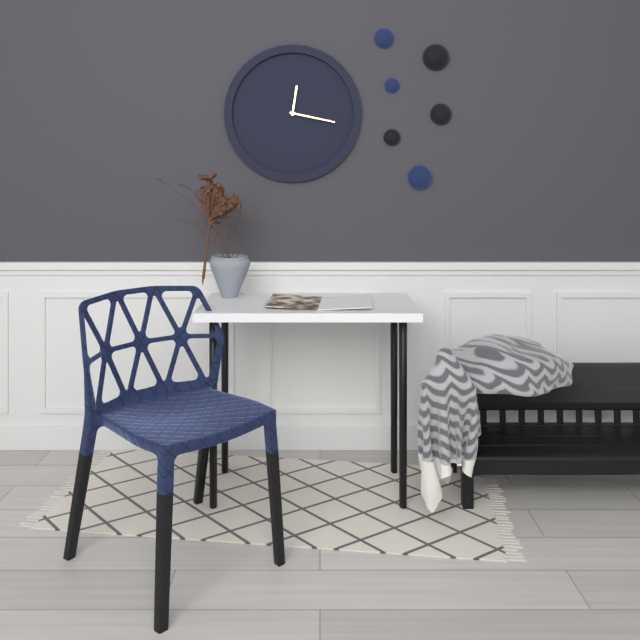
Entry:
12.17
